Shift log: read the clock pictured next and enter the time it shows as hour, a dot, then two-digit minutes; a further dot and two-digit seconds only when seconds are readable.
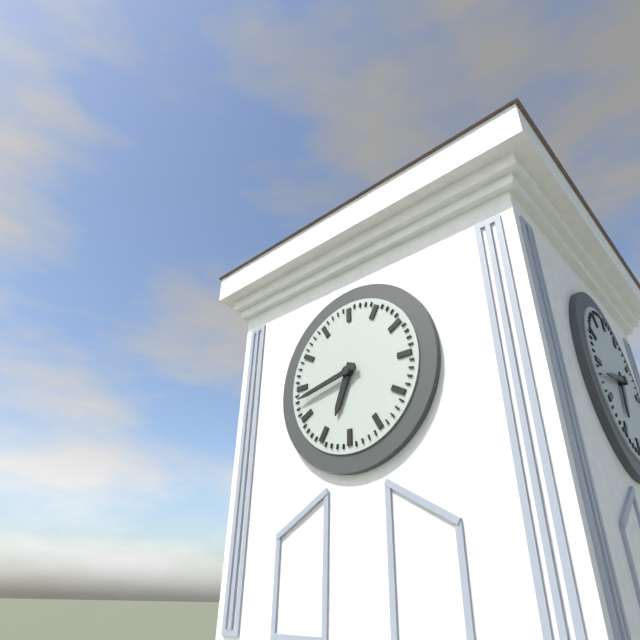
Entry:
6.43
